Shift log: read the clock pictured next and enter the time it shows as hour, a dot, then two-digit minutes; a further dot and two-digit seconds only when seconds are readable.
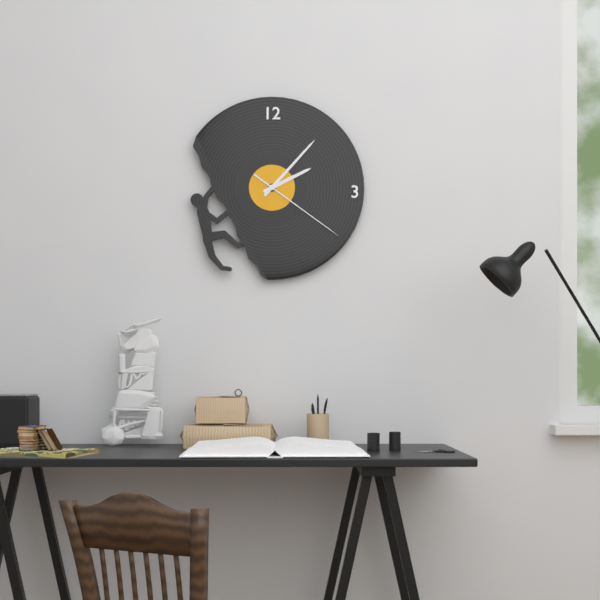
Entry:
2.07.21
